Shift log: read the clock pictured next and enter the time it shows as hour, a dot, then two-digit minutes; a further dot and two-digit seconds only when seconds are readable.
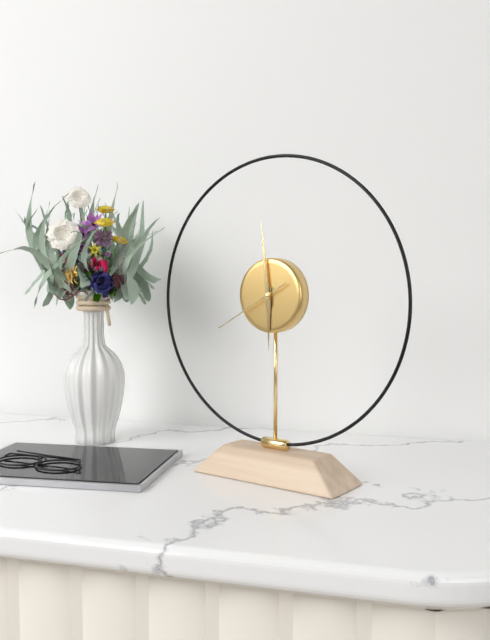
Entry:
5.59.40
